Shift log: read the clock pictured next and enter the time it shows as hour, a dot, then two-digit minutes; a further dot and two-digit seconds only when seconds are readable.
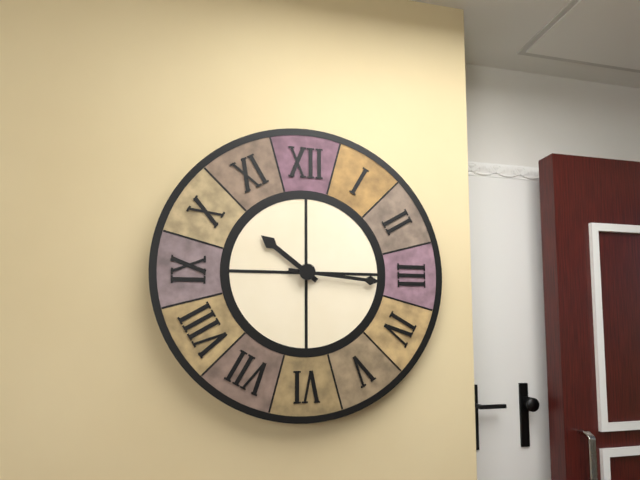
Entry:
10.16
